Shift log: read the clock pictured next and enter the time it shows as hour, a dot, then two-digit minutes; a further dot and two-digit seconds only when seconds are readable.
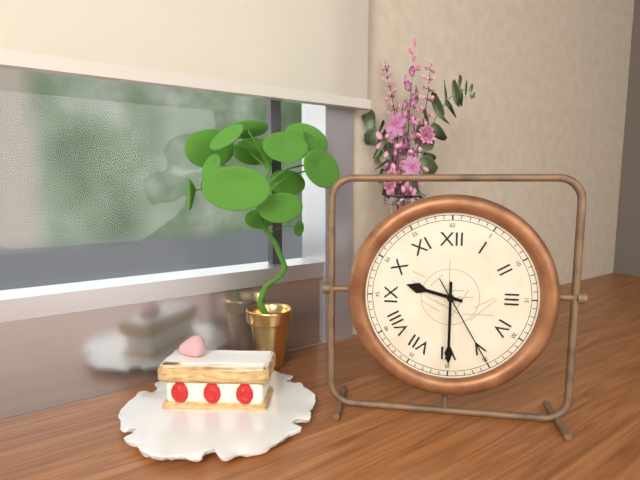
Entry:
9.30.25
